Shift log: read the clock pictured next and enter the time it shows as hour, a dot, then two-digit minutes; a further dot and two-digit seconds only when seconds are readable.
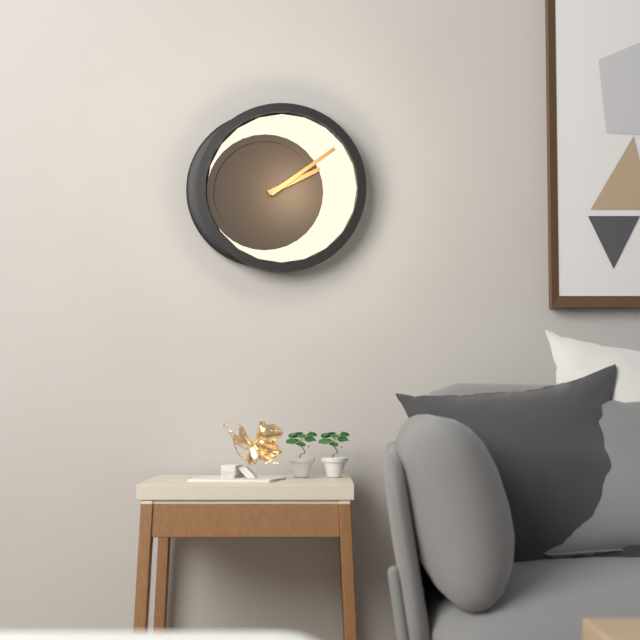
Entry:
2.09
